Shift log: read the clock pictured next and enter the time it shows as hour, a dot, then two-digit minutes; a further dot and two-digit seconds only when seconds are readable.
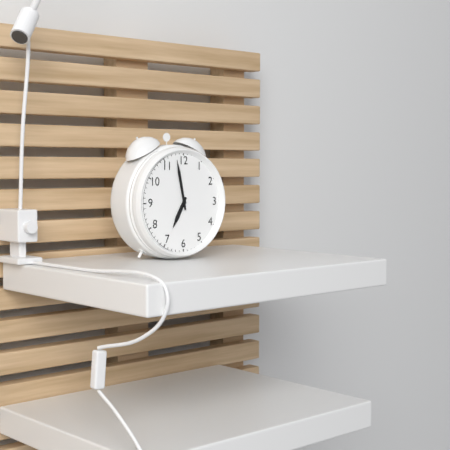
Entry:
6.58
